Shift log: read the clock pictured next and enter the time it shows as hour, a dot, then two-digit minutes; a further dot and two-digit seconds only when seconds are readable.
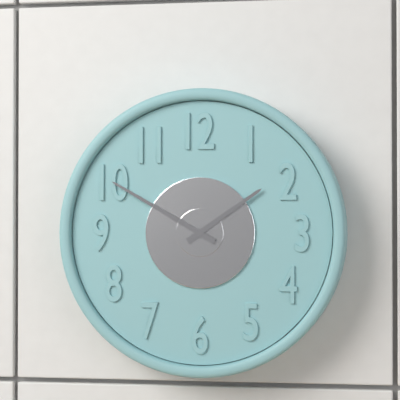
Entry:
1.50
